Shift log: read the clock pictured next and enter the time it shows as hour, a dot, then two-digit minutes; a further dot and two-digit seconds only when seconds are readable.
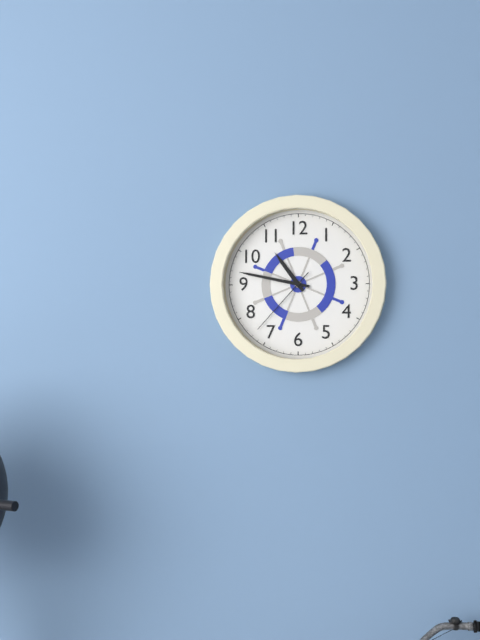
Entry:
10.47.37
